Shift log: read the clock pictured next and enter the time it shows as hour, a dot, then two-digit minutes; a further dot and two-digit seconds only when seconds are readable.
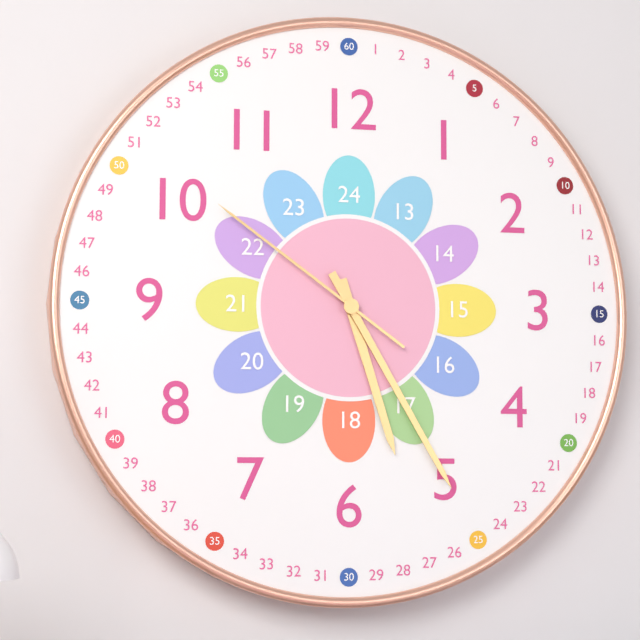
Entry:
5.25.51
